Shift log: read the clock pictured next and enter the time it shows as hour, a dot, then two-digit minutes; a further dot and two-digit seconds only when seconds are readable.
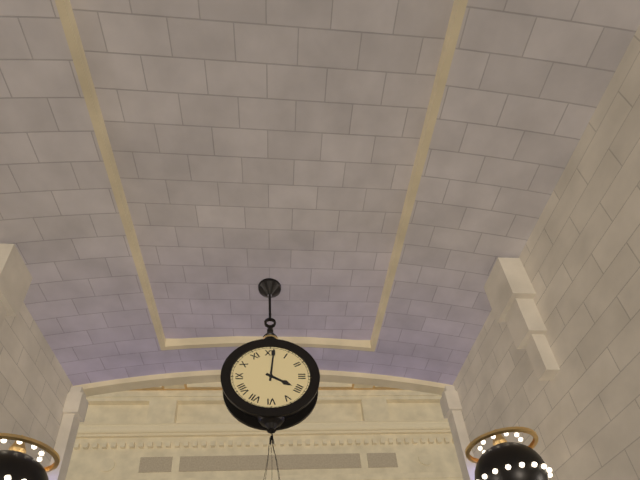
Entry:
4.01
